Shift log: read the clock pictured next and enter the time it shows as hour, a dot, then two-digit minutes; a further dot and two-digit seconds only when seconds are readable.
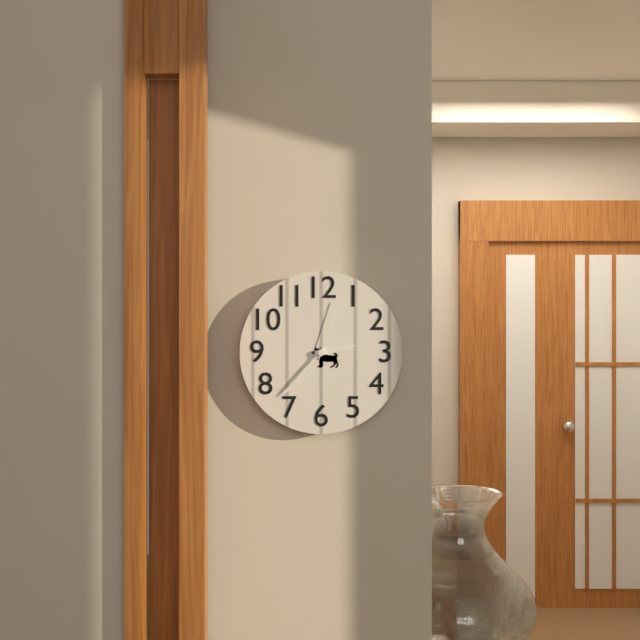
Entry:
2.37.03
